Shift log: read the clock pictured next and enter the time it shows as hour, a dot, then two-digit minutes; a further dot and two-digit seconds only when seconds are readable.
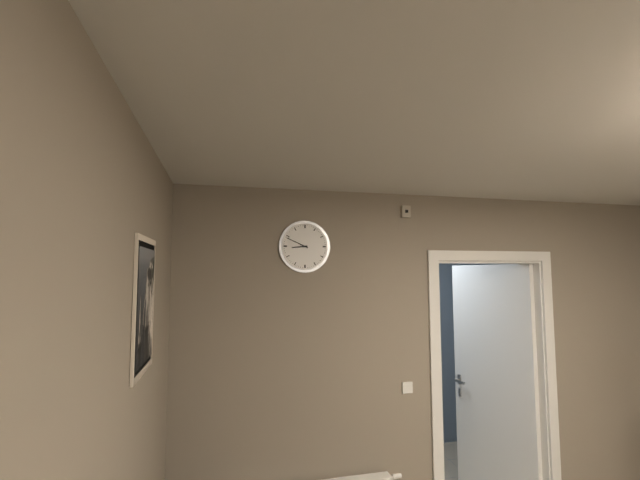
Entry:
8.49
